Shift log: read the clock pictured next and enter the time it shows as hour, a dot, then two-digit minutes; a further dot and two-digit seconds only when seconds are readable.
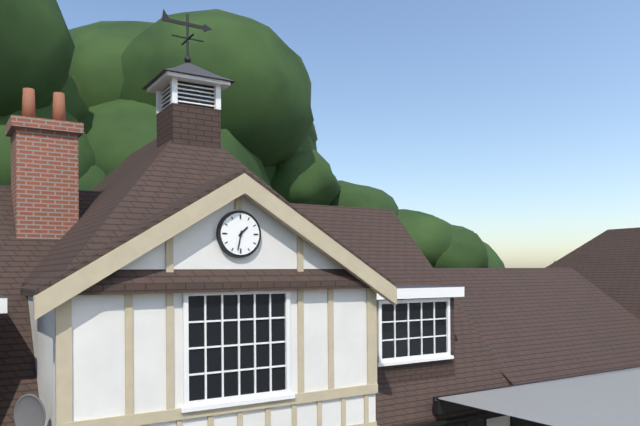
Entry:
1.32
